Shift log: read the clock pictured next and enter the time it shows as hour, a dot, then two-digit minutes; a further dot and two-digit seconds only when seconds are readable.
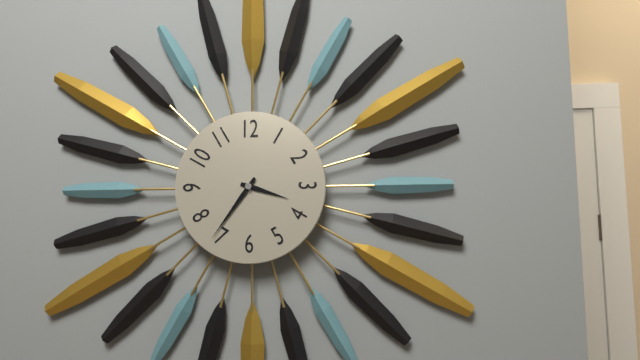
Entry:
3.36
